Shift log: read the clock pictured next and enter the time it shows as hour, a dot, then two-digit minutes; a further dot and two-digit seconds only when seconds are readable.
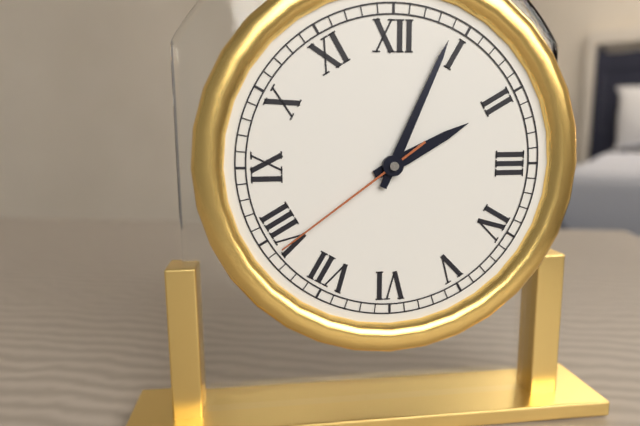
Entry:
2.04.39
